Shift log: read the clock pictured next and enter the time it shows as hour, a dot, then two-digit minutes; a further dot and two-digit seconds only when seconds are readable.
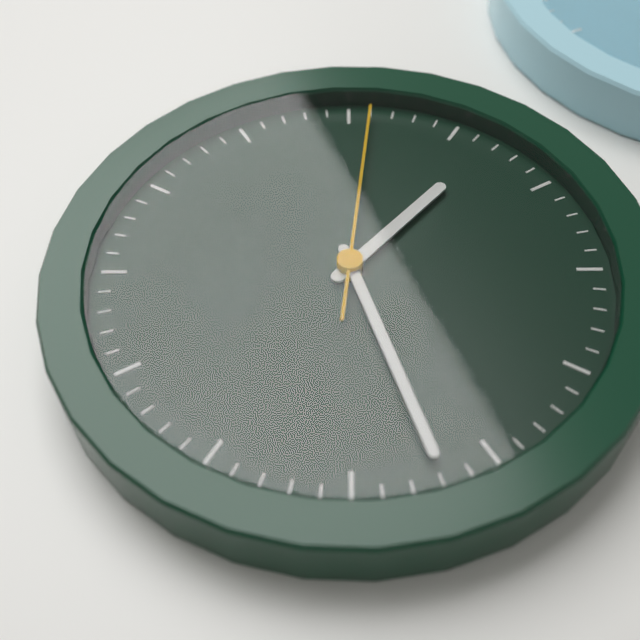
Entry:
12.22.56
